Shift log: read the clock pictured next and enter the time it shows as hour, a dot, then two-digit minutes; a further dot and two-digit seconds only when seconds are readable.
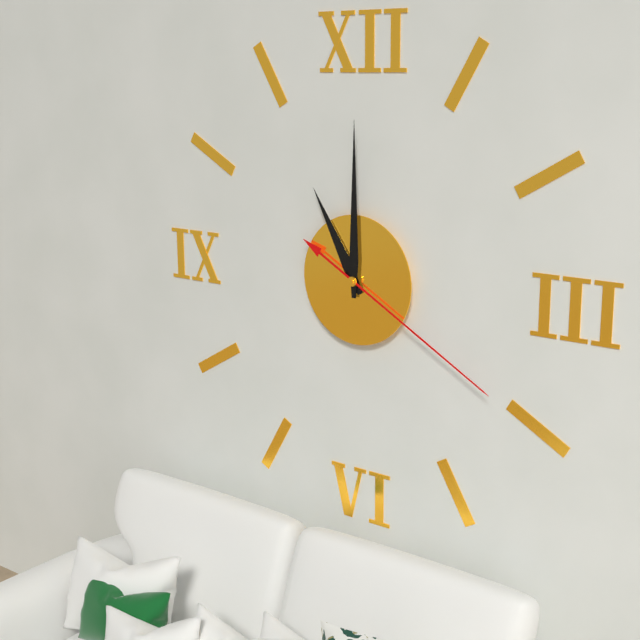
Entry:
11.00.20
